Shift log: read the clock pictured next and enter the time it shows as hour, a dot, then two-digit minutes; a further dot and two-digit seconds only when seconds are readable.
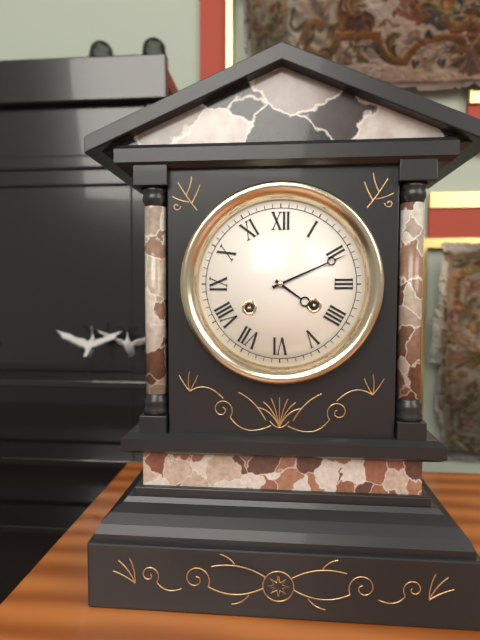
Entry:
4.11
